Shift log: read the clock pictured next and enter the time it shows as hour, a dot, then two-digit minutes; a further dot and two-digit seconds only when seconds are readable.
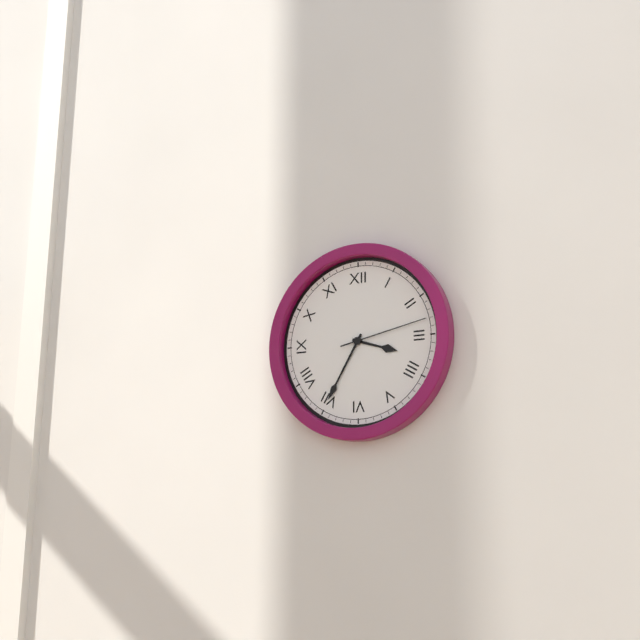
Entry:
3.35.13
